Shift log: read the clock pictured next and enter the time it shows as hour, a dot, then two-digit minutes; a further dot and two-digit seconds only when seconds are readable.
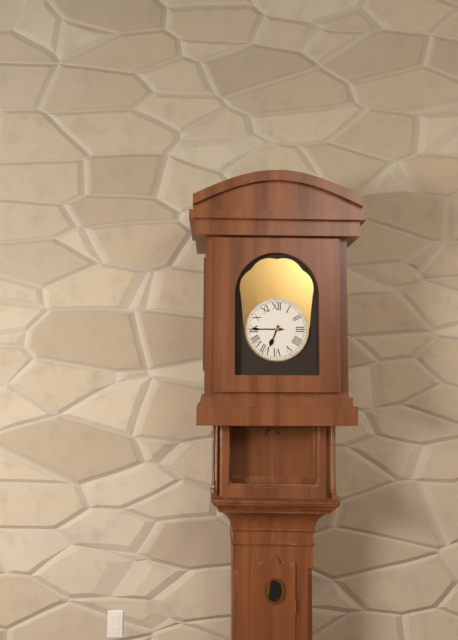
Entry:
6.45
